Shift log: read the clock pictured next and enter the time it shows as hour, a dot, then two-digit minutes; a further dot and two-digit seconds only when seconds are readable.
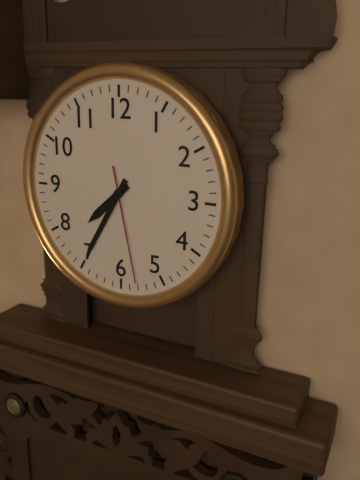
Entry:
7.35.28
